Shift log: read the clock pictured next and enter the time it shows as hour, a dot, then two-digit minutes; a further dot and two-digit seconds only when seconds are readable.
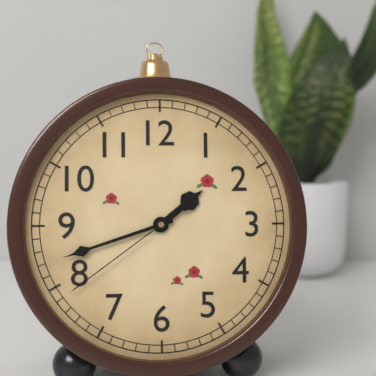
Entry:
1.42.39
